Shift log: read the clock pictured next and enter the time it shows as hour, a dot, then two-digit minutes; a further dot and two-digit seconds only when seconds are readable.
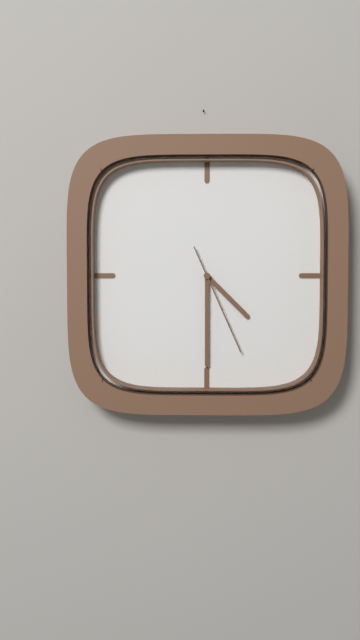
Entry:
4.30.26
